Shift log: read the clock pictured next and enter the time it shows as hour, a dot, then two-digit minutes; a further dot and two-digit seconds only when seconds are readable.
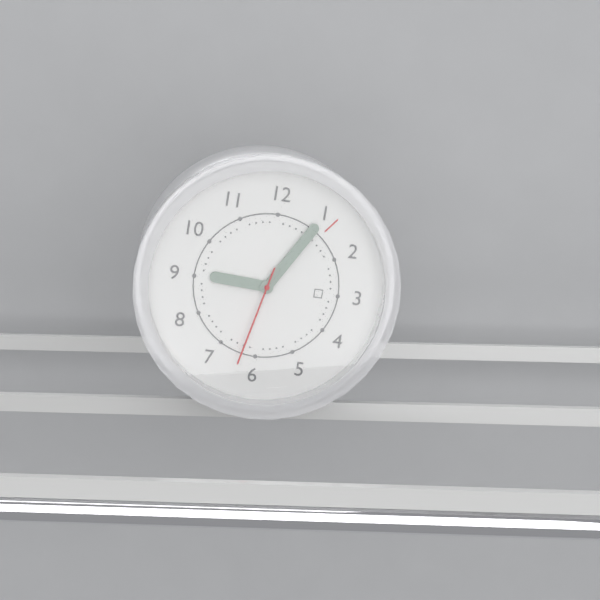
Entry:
9.05.32
